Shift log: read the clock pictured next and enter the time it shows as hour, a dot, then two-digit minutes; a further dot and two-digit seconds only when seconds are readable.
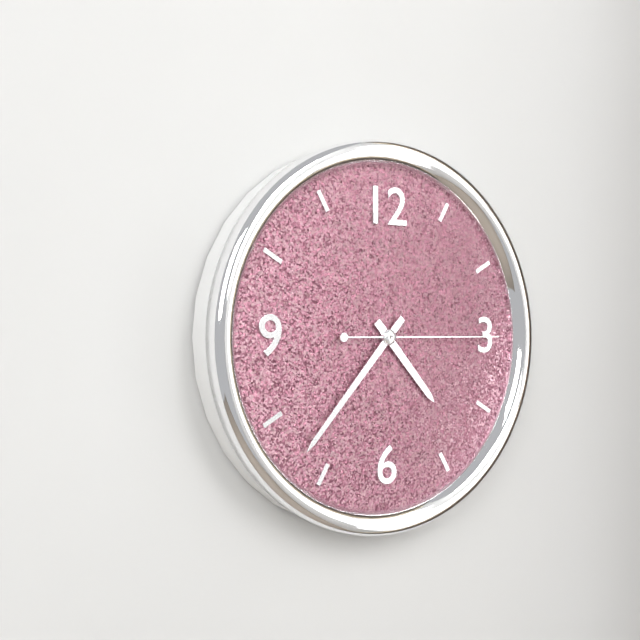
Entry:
4.37.15
